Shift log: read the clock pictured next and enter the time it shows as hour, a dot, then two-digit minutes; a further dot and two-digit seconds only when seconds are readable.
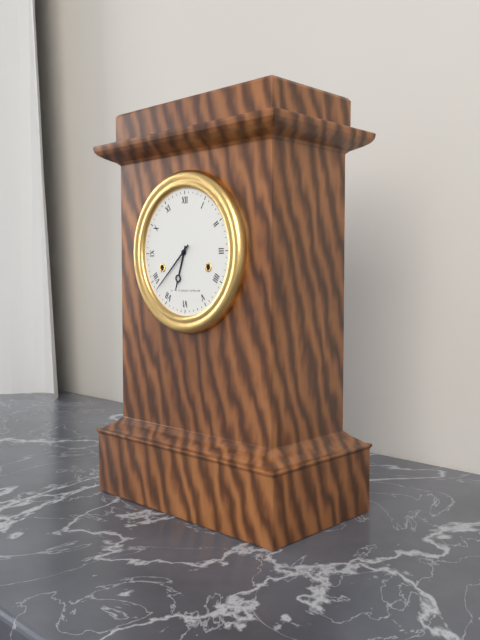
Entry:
6.38
